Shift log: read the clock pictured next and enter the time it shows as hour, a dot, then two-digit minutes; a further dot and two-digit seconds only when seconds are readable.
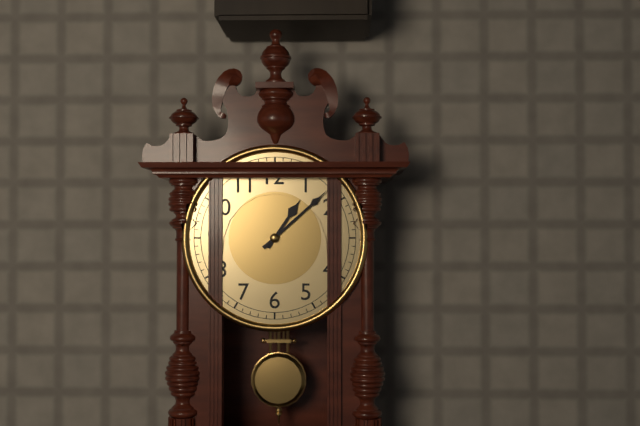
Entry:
1.08
